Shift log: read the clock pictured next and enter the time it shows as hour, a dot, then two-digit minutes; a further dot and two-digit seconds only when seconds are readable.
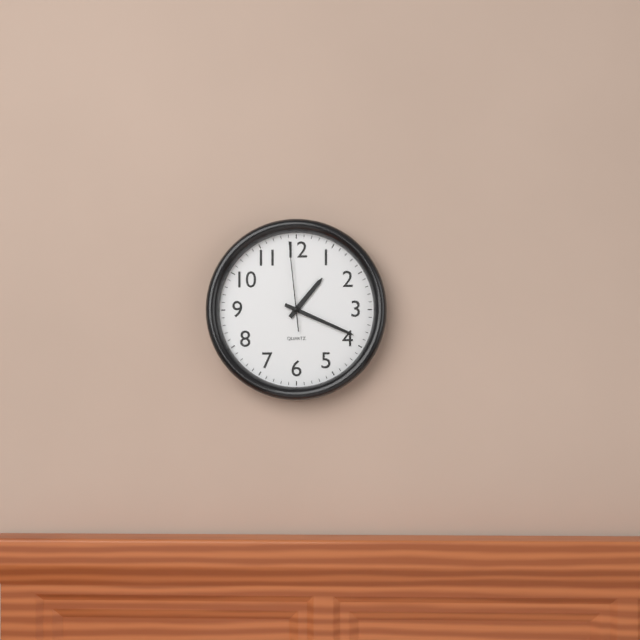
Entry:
1.19.59
